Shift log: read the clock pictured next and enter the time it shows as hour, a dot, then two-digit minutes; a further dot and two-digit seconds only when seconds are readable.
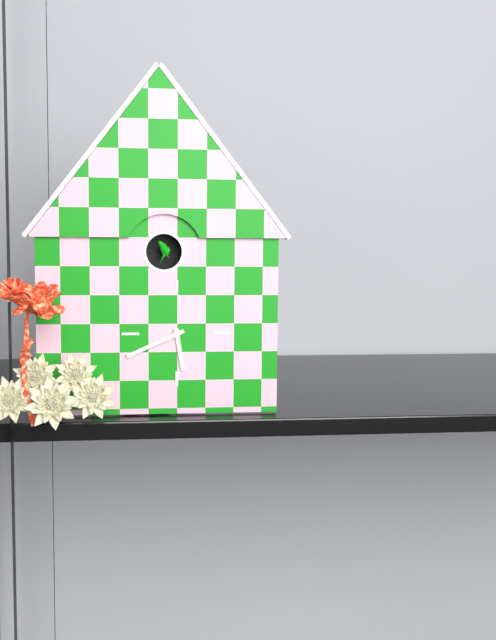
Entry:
5.41
